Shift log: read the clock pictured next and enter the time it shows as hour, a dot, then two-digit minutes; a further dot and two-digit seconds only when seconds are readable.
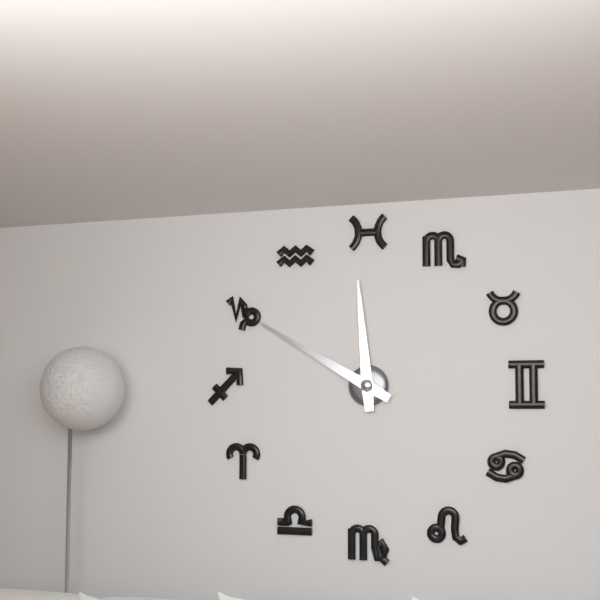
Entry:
11.50
